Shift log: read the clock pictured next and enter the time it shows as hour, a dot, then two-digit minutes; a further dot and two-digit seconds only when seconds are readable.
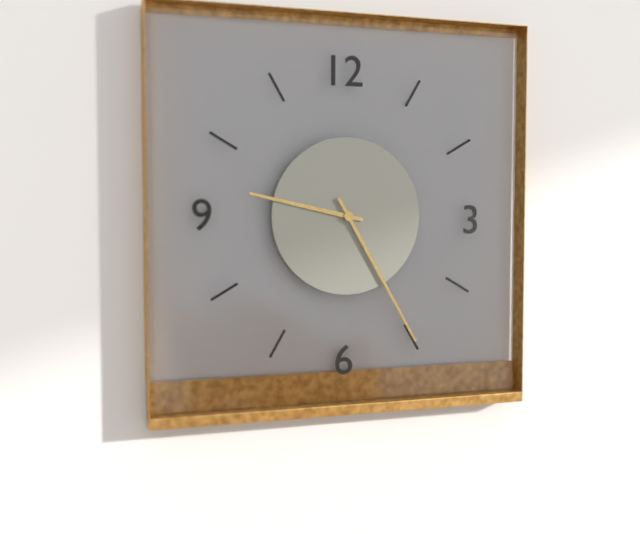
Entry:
9.25
